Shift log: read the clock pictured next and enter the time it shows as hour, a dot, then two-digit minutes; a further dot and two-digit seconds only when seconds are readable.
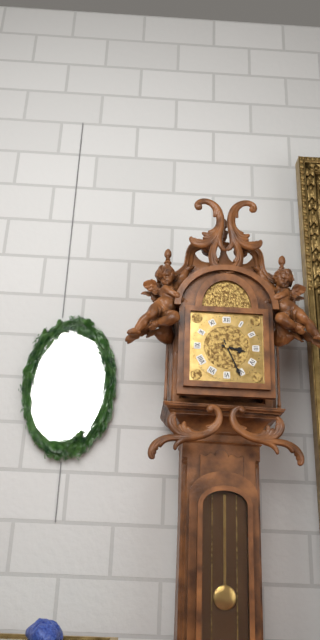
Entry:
3.26
